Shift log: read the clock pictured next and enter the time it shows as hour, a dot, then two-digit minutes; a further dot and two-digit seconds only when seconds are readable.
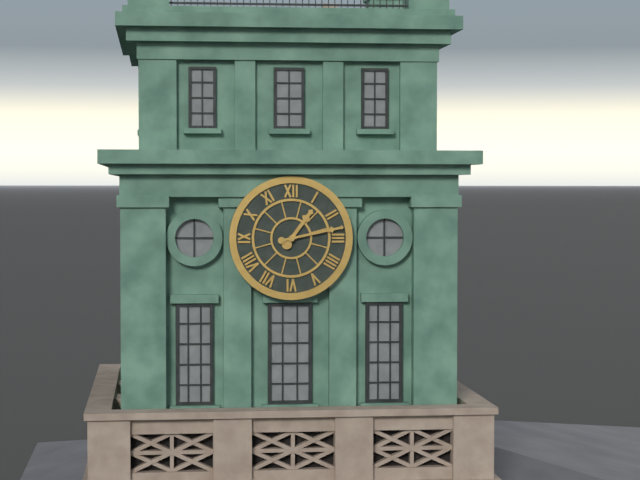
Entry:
1.13
